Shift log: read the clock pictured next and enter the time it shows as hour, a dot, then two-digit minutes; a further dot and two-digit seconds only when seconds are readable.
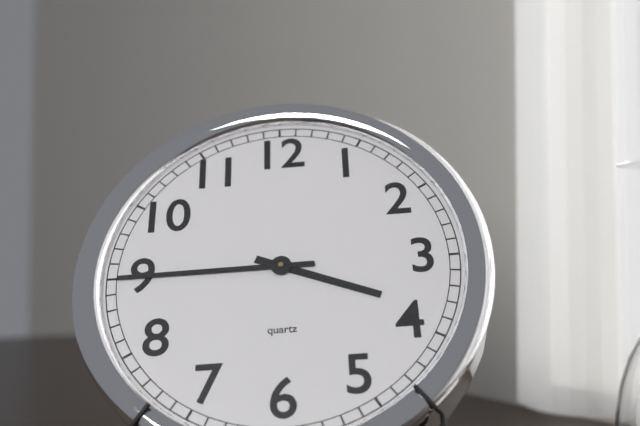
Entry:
3.45
